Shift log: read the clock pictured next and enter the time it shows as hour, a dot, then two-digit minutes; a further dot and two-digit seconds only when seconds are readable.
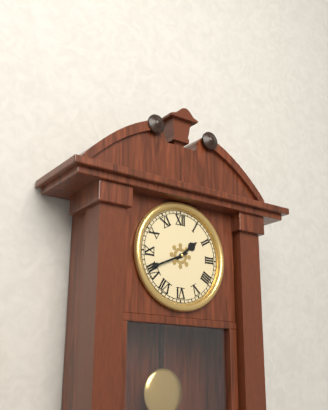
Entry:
1.41
